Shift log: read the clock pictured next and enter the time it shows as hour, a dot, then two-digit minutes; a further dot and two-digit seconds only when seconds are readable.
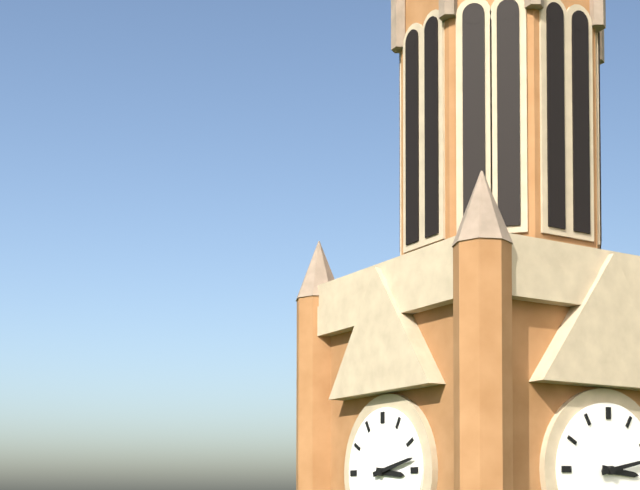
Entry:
3.13
